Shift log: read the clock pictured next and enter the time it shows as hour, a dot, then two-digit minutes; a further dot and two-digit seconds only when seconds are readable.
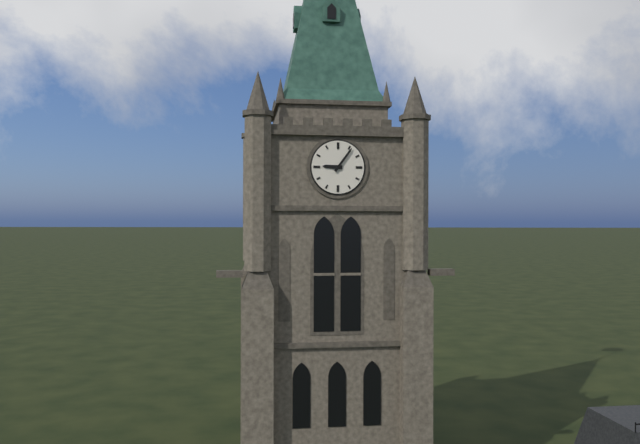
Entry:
9.06
